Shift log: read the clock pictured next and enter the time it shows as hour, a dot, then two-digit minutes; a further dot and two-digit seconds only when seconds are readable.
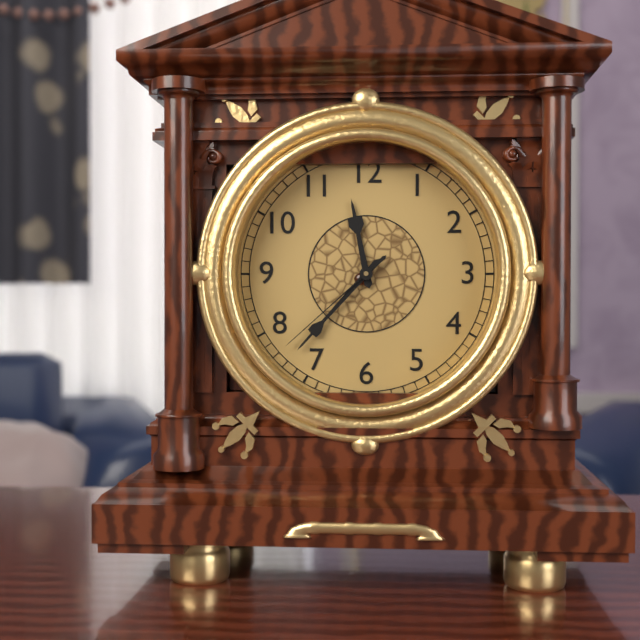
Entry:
11.37.38
